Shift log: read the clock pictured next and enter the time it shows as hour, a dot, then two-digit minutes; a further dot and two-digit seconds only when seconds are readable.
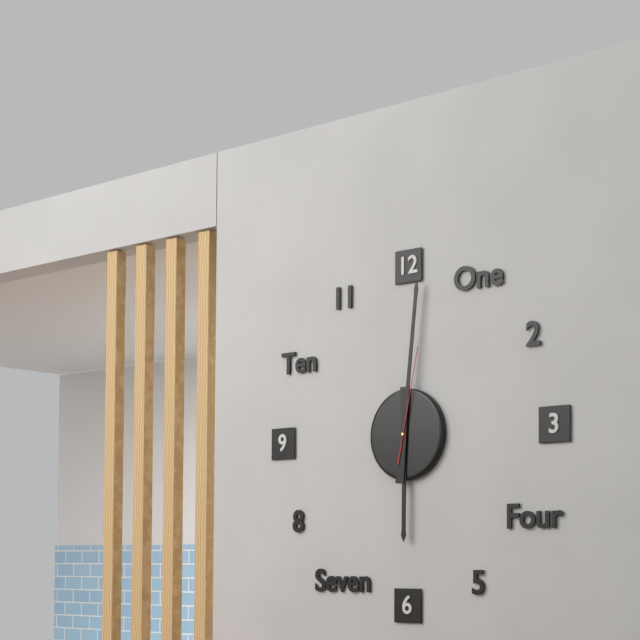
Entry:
6.01.02
